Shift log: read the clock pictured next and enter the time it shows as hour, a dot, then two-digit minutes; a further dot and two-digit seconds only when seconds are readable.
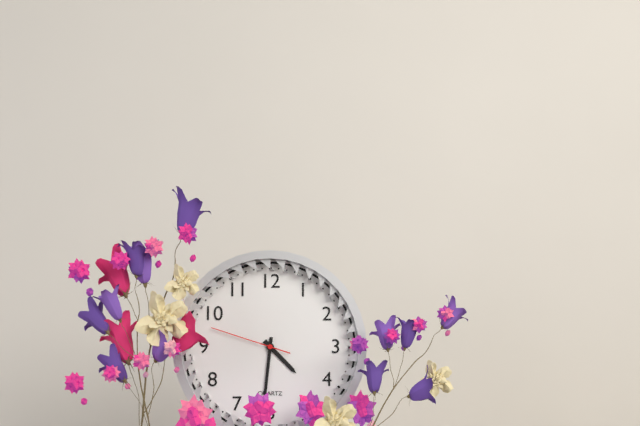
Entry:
4.31.48
